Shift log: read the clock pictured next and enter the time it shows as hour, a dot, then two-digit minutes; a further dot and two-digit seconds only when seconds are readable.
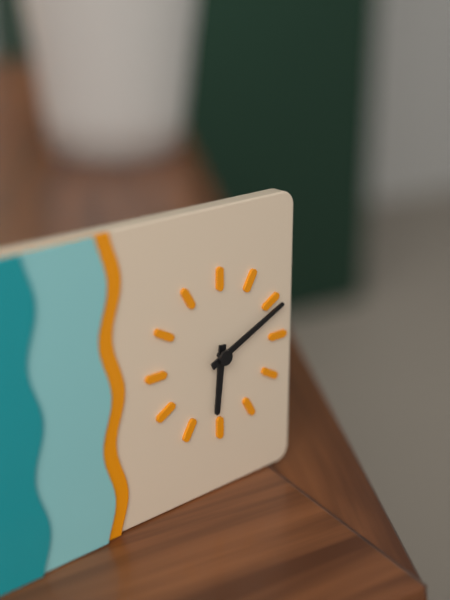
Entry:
6.11
